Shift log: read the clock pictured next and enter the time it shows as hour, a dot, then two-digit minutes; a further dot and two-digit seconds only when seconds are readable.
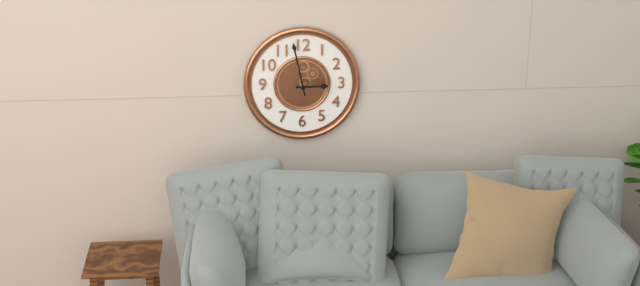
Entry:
2.58
